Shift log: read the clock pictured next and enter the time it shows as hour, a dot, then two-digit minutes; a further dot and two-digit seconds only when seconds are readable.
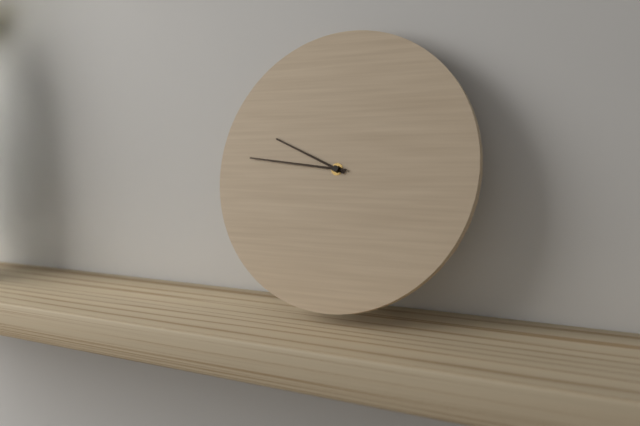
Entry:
9.46
